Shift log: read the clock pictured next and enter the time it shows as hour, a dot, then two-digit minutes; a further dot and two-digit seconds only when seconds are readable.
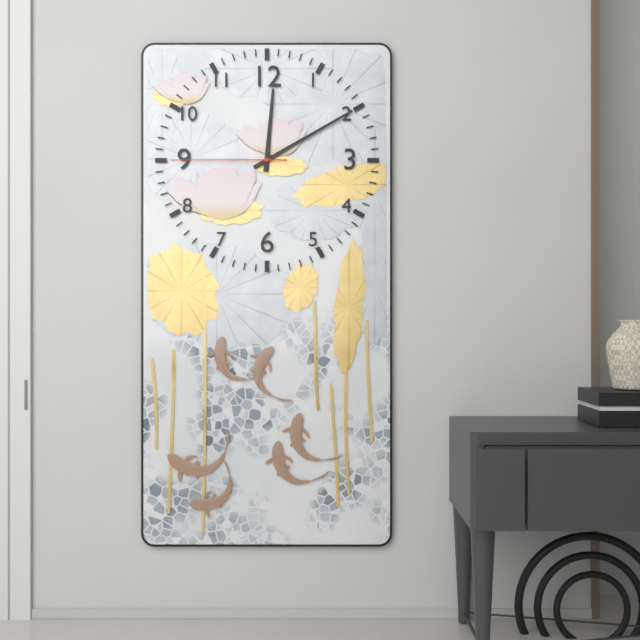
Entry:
12.10.45
